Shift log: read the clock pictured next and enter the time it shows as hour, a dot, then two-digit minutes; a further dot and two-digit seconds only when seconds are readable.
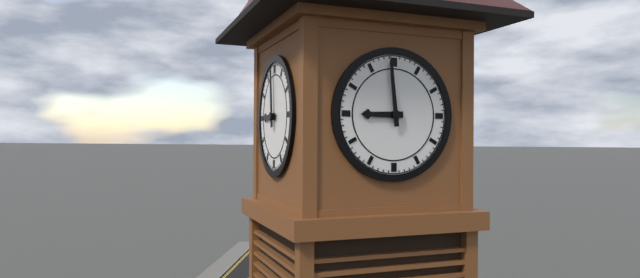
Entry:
8.59
